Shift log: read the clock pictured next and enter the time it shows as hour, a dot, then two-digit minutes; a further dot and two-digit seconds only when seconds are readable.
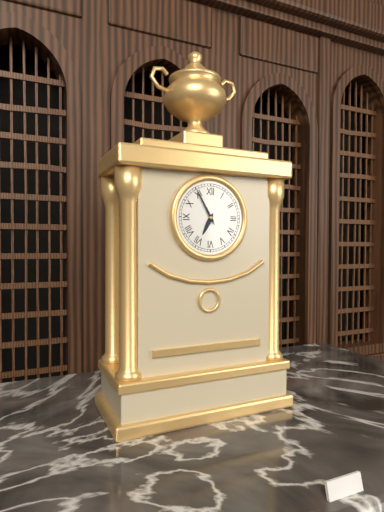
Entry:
6.55
